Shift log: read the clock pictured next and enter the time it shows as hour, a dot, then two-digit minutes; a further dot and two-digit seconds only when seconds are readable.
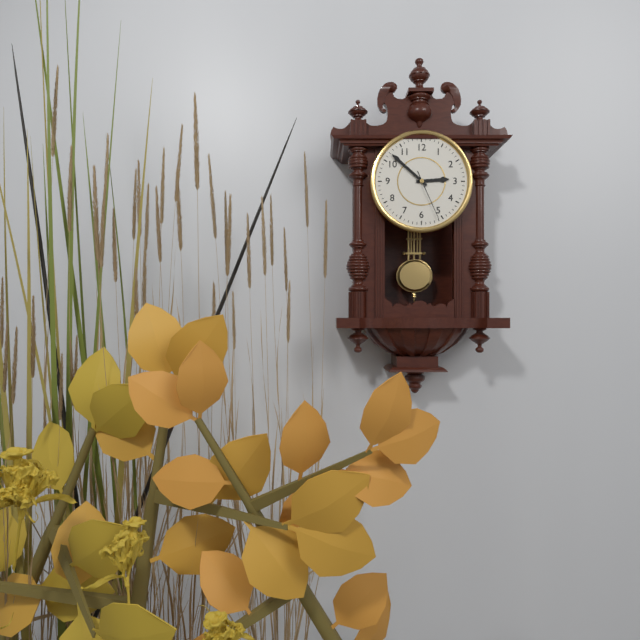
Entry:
2.52.26
